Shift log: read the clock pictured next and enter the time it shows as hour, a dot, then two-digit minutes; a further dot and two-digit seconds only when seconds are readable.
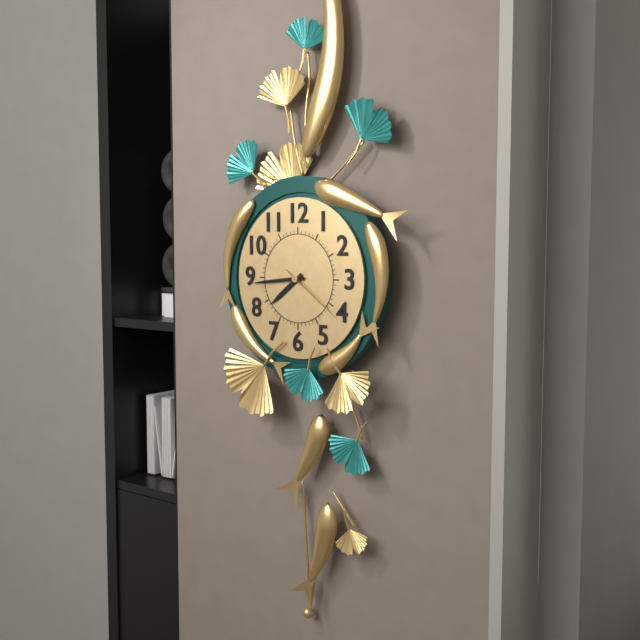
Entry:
7.44.21
